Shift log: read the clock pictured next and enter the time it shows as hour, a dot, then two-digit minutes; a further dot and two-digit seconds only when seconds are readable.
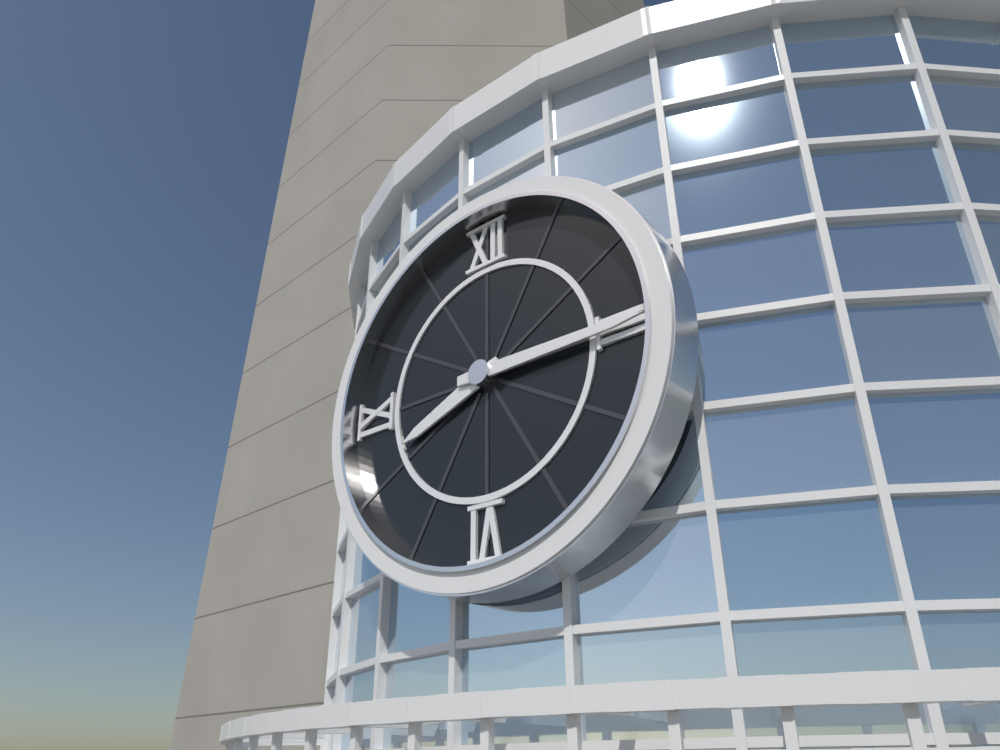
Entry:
8.15
